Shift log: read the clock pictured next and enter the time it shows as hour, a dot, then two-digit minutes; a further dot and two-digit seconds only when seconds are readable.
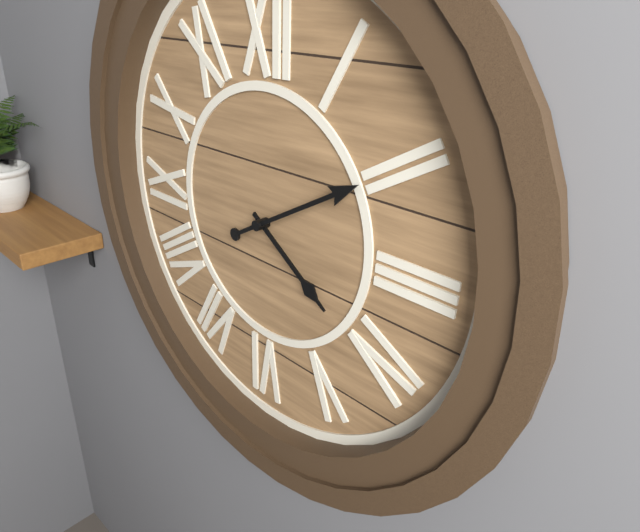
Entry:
4.10
